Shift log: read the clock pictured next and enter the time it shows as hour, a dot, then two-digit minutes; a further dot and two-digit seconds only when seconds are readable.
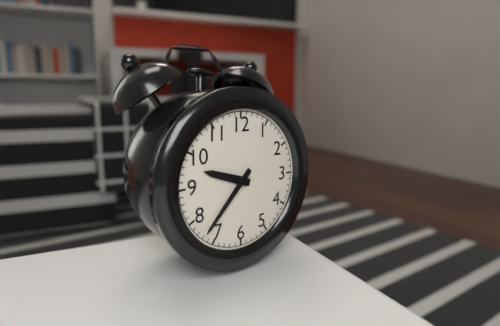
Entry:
9.37
